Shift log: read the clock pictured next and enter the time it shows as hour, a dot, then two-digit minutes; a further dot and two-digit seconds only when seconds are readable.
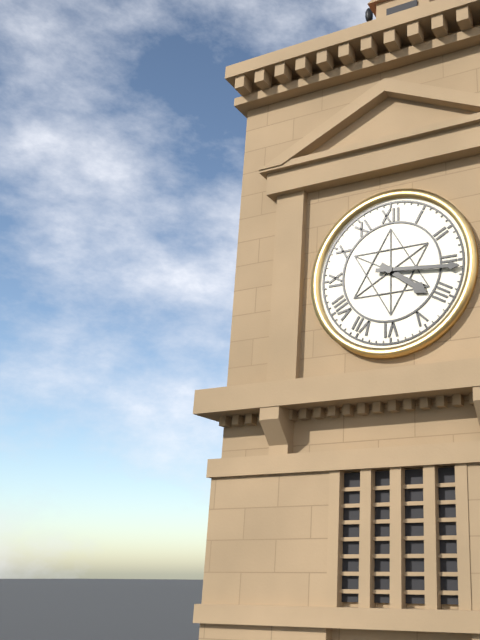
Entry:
4.16
